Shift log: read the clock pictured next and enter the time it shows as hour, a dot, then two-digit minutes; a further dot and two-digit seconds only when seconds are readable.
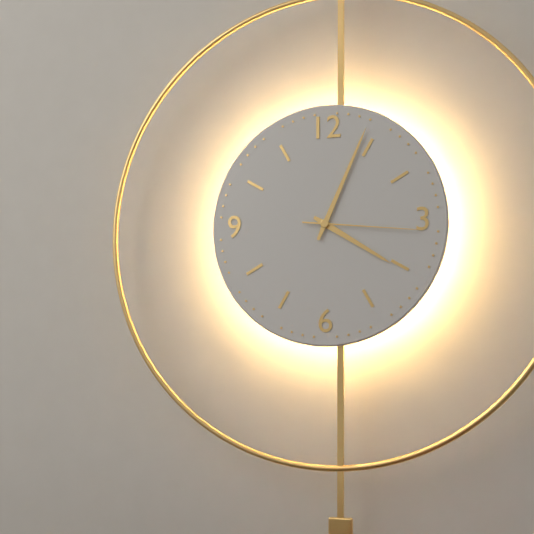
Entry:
4.04.16
